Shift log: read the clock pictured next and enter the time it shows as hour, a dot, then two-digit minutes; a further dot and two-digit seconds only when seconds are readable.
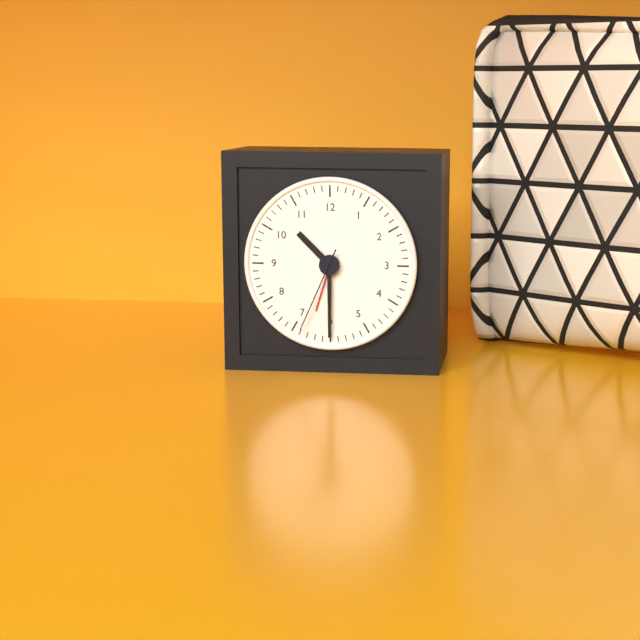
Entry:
10.30.34
